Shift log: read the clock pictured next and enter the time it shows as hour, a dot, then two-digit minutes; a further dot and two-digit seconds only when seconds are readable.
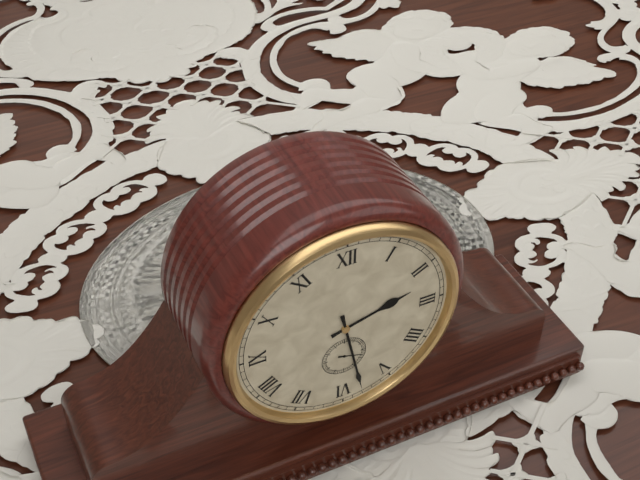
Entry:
2.28.18
